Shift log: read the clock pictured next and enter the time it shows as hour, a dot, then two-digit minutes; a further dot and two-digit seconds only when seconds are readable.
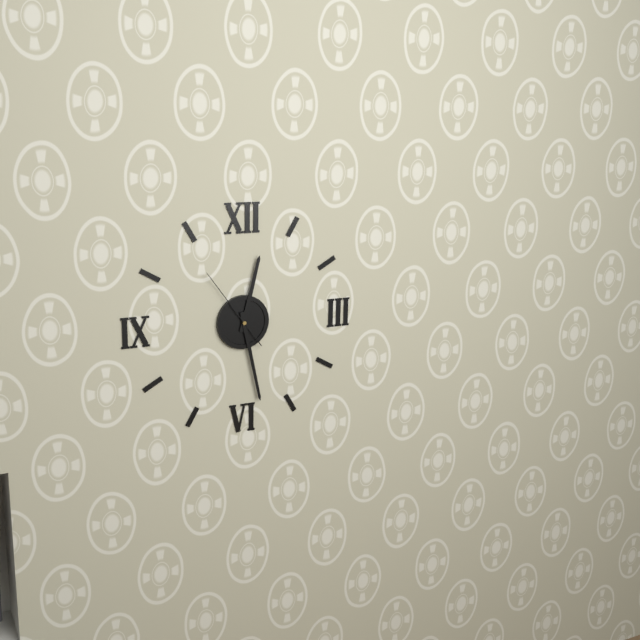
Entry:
12.28.54
